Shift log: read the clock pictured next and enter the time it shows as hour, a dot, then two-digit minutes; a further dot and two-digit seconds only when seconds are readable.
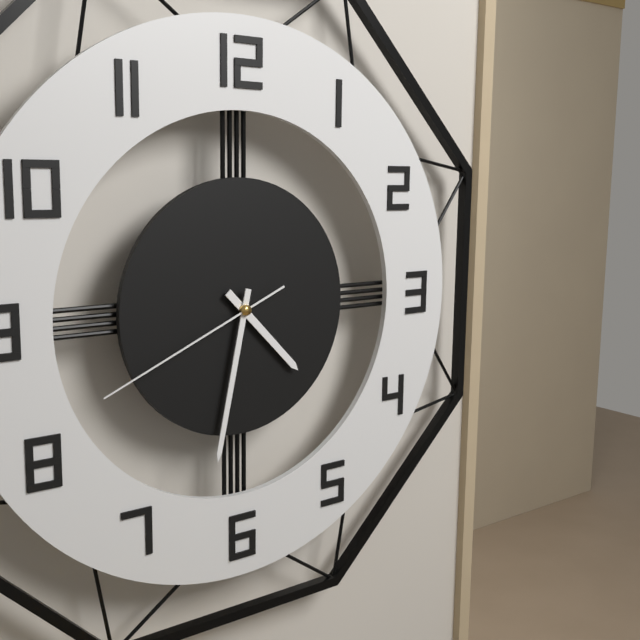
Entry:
4.32.41
